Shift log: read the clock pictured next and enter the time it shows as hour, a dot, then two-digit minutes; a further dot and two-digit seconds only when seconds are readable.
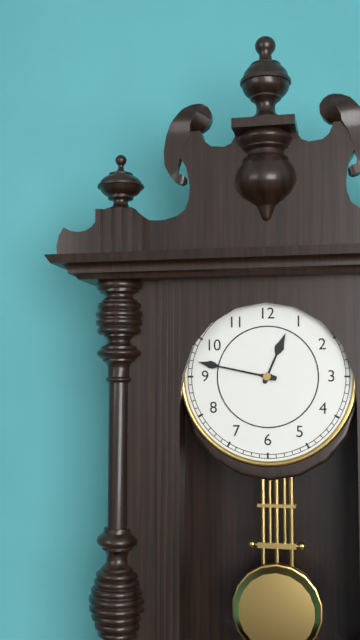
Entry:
12.47
